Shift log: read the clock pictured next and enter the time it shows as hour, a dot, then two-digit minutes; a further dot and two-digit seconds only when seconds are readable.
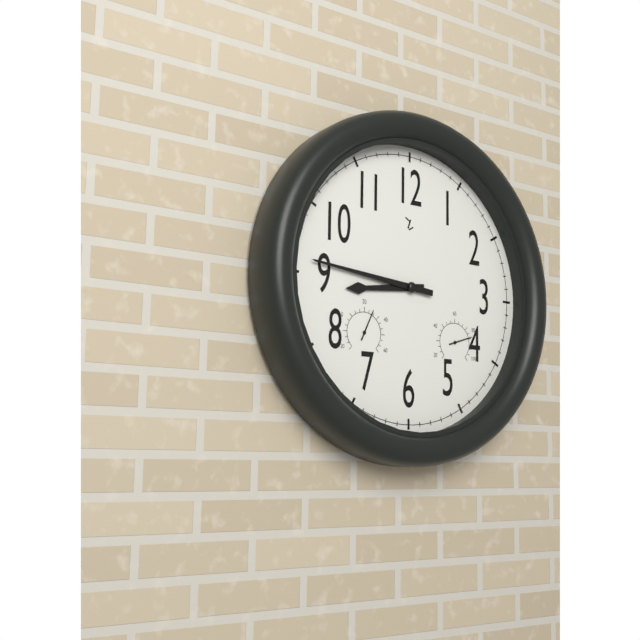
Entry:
8.46
